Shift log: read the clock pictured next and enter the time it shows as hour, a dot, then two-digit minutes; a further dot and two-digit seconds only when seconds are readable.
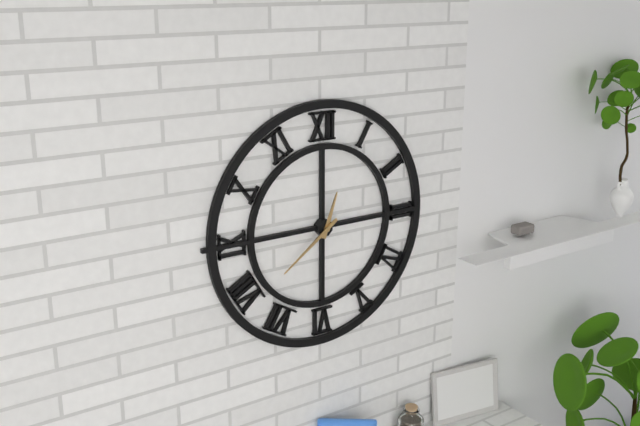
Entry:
12.39
